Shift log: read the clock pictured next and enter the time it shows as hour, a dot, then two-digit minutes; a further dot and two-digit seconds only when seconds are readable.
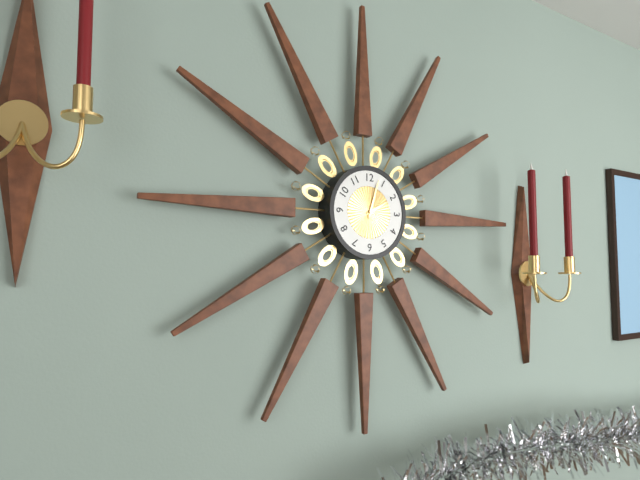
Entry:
2.03
